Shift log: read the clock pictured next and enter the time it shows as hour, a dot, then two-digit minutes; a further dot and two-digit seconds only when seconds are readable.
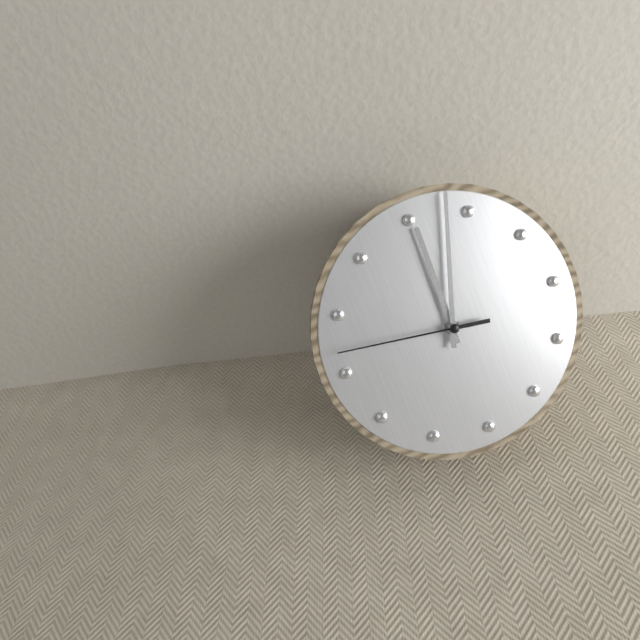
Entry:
12.03.47
